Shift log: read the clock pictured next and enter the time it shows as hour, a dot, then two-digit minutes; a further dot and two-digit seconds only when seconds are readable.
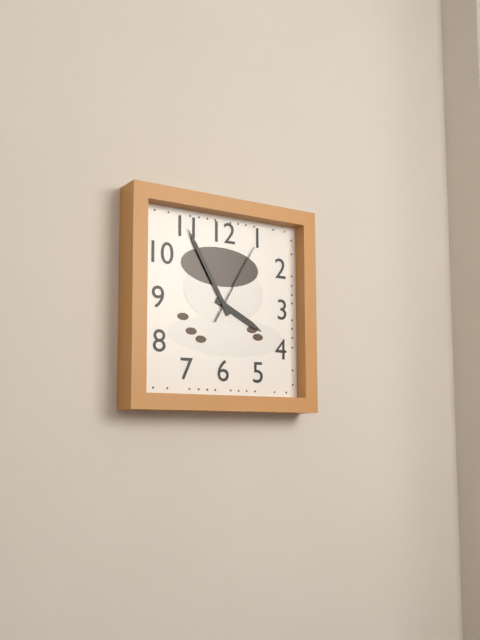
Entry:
3.55.05
